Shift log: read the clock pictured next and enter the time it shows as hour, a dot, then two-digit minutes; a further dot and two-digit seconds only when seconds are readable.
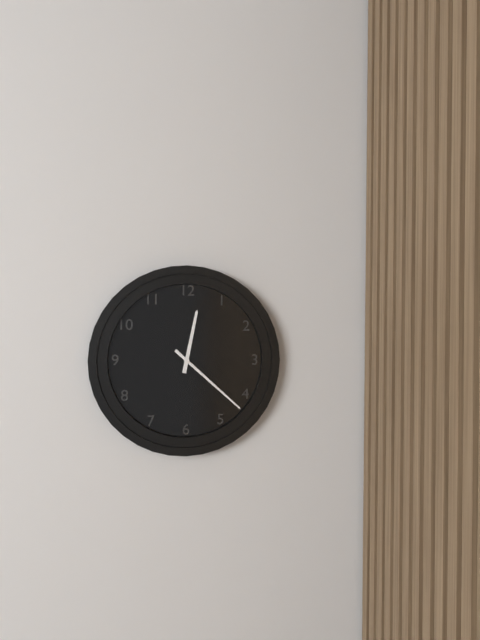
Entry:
12.22
